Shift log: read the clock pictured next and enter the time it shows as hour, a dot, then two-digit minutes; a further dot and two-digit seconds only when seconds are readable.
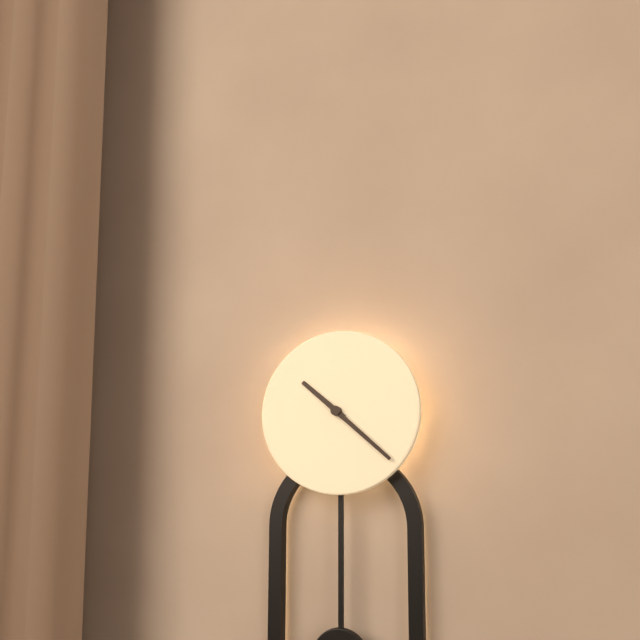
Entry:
10.22
